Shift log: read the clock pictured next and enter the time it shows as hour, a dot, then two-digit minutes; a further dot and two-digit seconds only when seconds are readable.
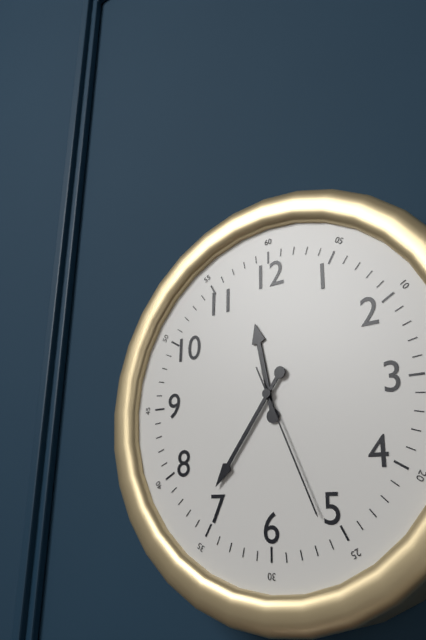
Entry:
11.36.26
